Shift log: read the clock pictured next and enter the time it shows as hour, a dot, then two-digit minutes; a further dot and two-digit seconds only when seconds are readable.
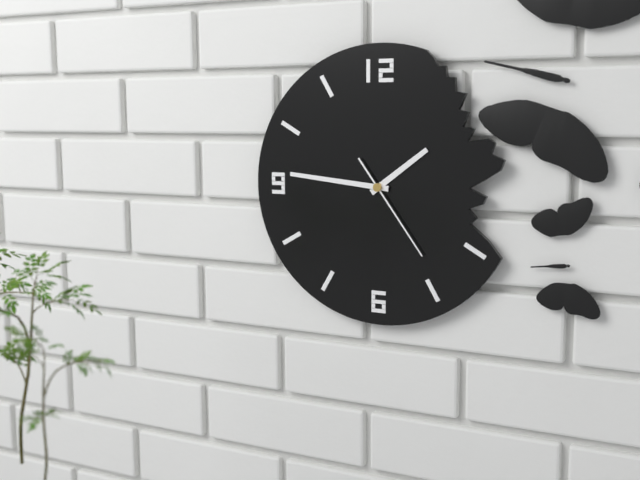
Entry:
1.46.24
